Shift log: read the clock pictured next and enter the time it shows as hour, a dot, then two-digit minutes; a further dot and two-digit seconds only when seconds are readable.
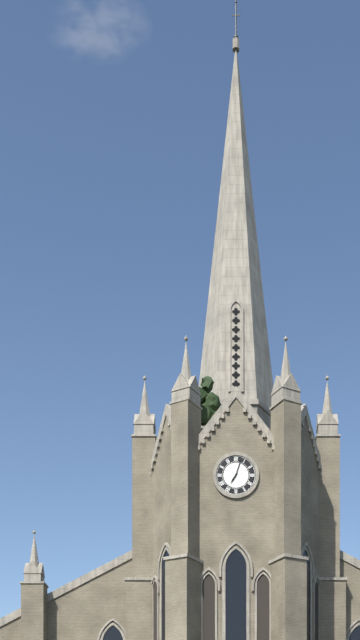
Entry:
7.03
